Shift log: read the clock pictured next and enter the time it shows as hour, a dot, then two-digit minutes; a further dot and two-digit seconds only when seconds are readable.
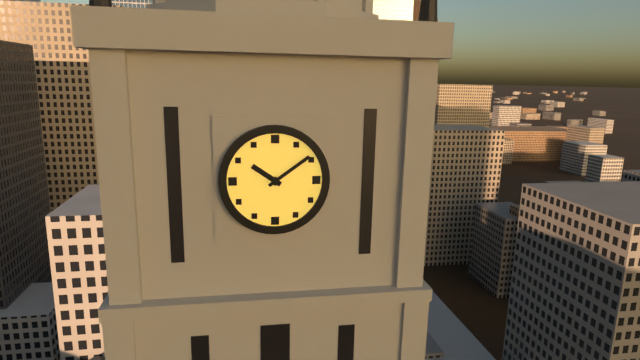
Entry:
10.09
